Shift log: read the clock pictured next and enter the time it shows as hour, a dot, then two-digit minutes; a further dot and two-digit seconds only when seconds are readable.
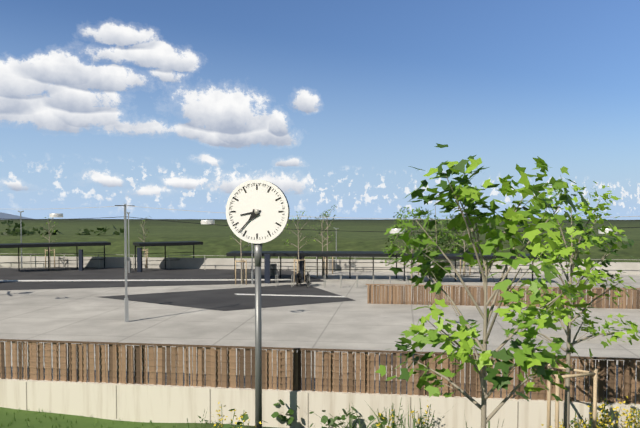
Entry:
8.37
